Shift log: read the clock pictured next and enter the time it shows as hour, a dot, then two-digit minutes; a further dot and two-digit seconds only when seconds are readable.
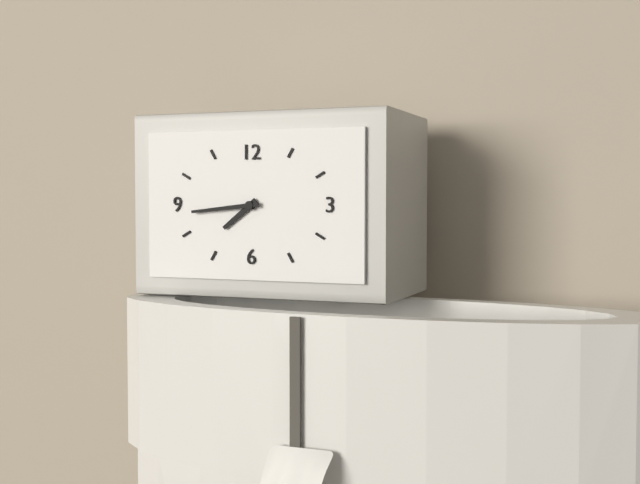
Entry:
7.44
